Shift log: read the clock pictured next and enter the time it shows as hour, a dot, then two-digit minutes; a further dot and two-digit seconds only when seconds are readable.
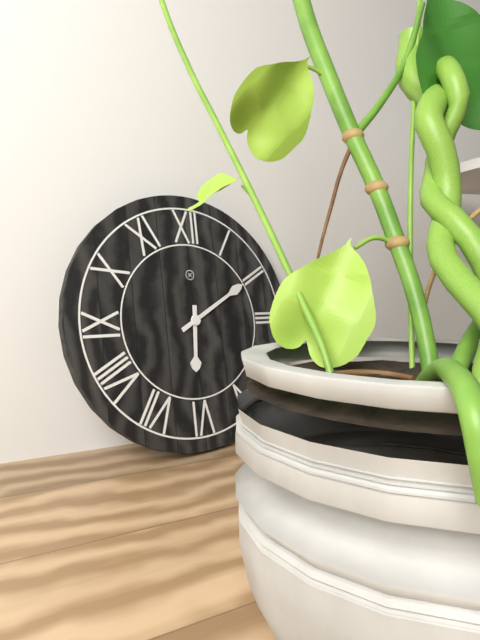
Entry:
6.10
